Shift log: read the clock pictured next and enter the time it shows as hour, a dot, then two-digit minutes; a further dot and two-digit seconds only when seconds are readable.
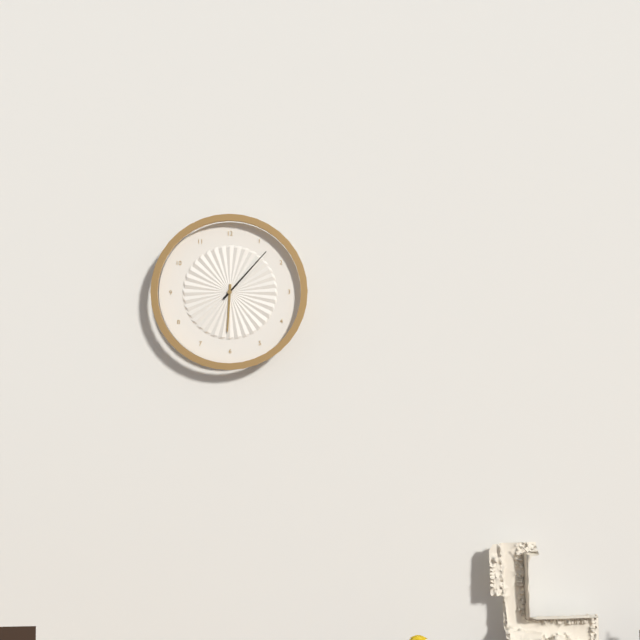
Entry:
6.07
